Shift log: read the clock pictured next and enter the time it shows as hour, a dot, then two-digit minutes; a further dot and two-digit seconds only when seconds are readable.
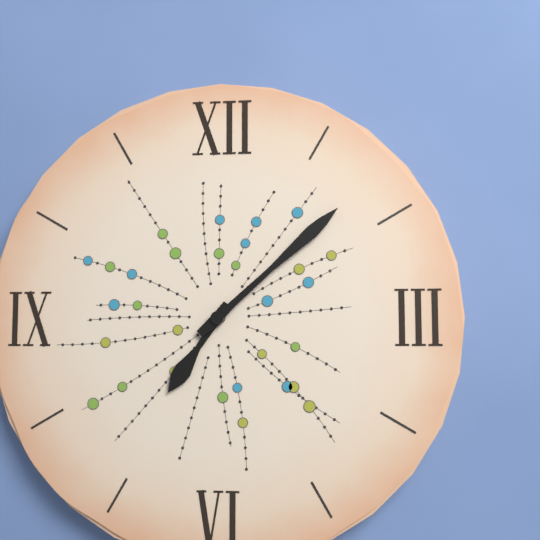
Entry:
7.08
